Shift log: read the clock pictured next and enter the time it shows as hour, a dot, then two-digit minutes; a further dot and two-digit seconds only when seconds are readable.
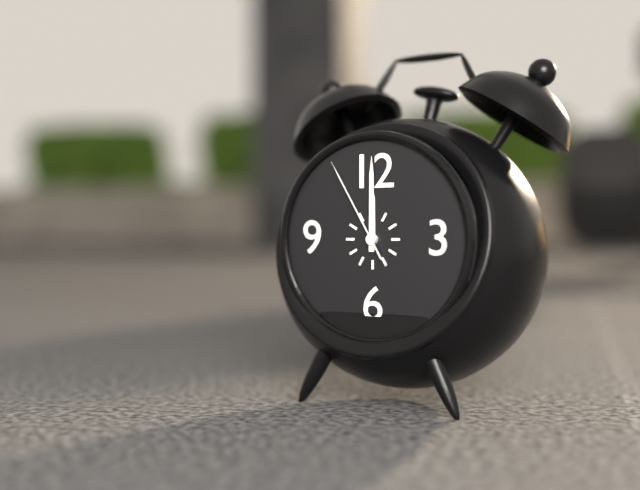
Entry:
12.00.55
